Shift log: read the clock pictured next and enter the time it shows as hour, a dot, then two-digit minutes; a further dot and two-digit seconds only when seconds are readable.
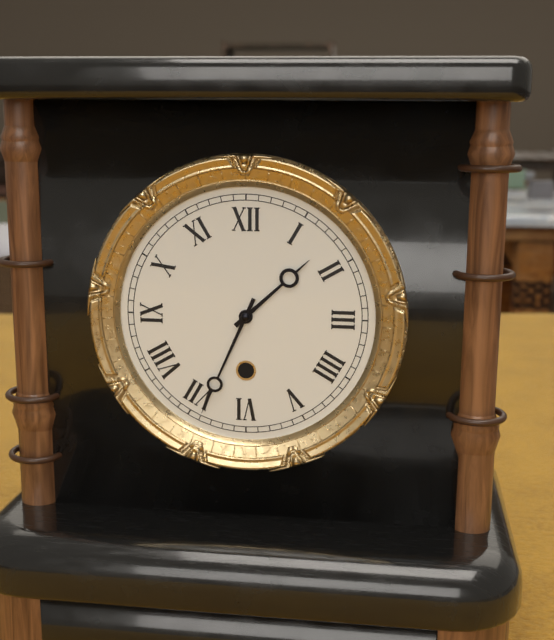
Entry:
1.34
